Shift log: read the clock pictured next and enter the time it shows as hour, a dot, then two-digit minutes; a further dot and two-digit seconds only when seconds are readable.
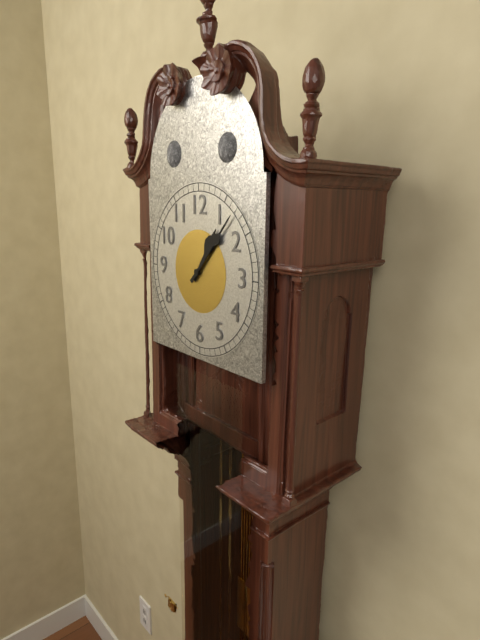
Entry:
1.07
